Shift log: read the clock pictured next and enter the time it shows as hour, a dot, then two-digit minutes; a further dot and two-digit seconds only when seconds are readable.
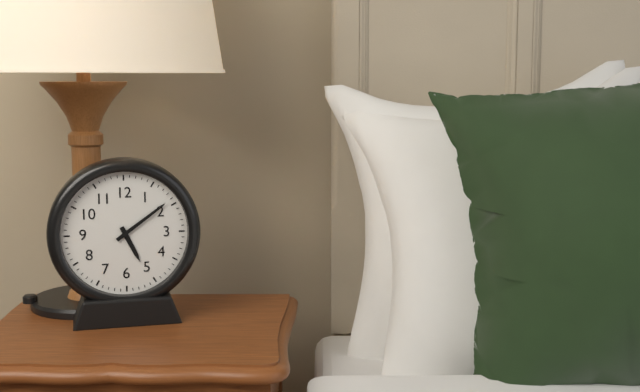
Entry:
5.09
